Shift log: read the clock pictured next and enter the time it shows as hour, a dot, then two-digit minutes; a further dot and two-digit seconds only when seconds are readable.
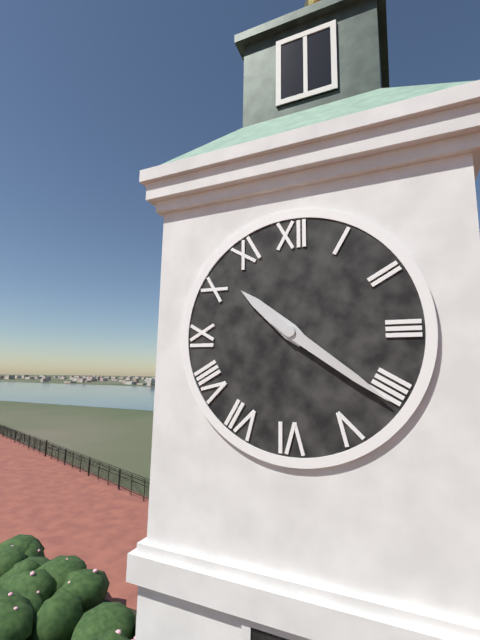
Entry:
10.21
